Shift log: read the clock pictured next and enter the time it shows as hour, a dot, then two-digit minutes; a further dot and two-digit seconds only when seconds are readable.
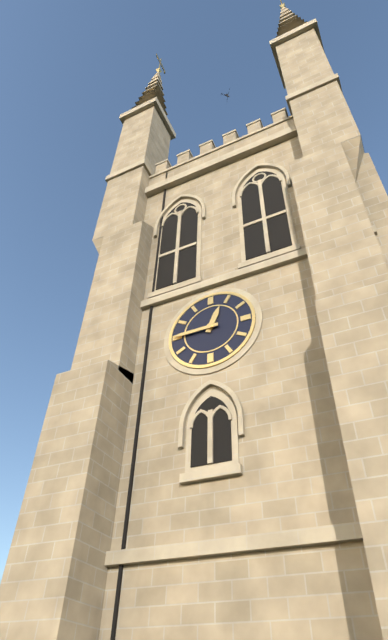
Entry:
12.45
